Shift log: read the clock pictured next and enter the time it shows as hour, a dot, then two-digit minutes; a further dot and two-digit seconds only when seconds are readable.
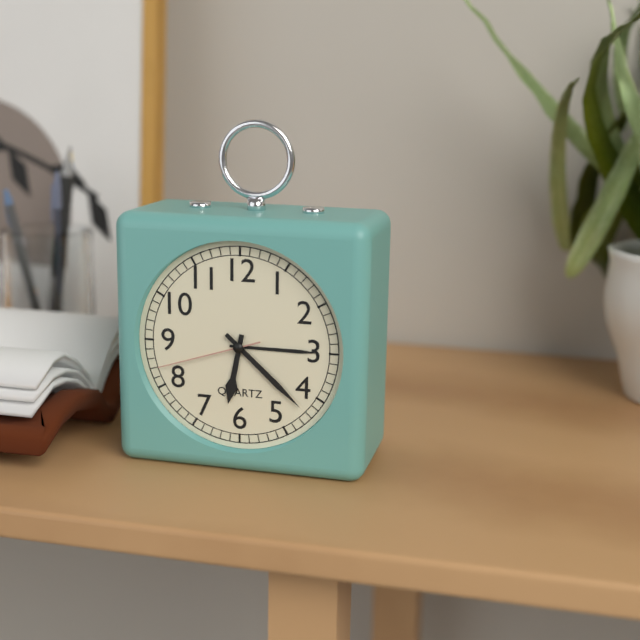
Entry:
6.22.42
